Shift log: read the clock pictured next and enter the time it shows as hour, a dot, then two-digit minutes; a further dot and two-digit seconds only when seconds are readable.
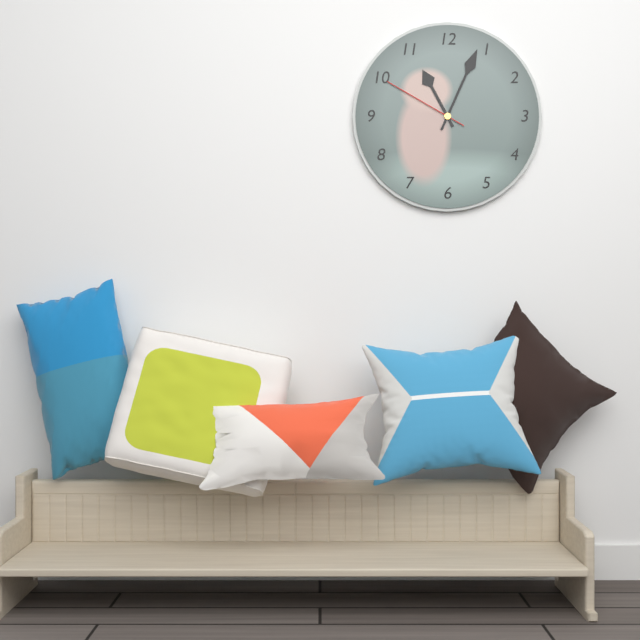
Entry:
11.04.50
